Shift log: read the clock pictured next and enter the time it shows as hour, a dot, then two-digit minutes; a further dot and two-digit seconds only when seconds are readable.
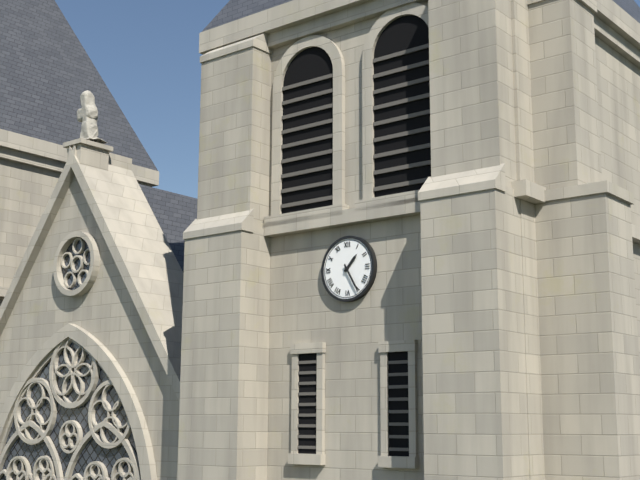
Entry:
1.25
